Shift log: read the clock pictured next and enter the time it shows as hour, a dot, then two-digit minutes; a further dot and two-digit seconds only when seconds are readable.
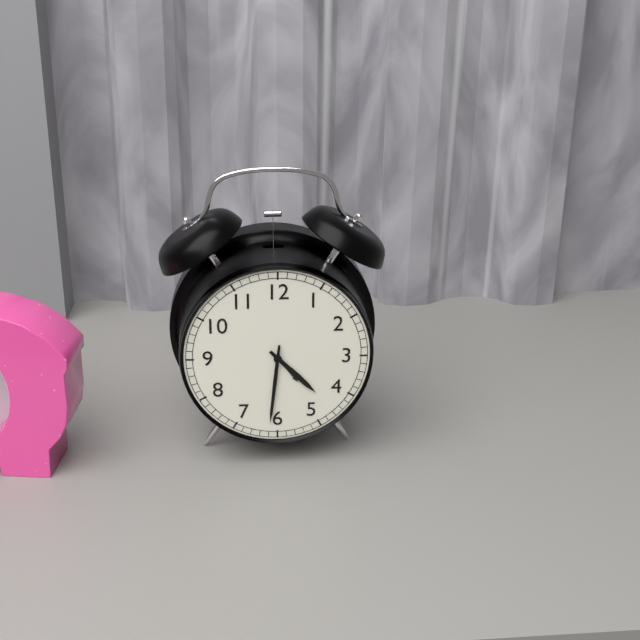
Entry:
4.31
